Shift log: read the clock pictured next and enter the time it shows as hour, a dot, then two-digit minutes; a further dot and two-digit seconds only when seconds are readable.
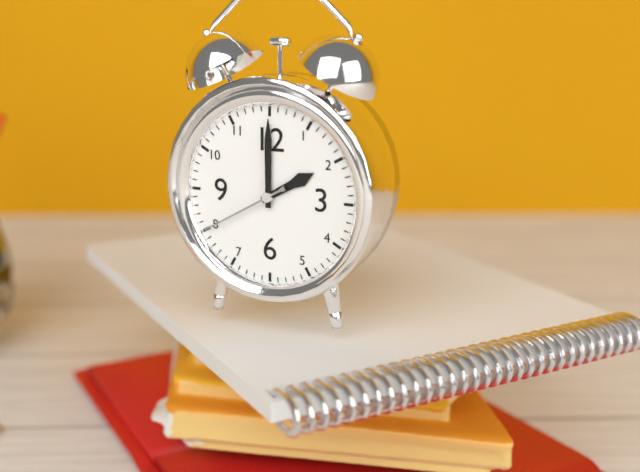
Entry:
2.00.40
